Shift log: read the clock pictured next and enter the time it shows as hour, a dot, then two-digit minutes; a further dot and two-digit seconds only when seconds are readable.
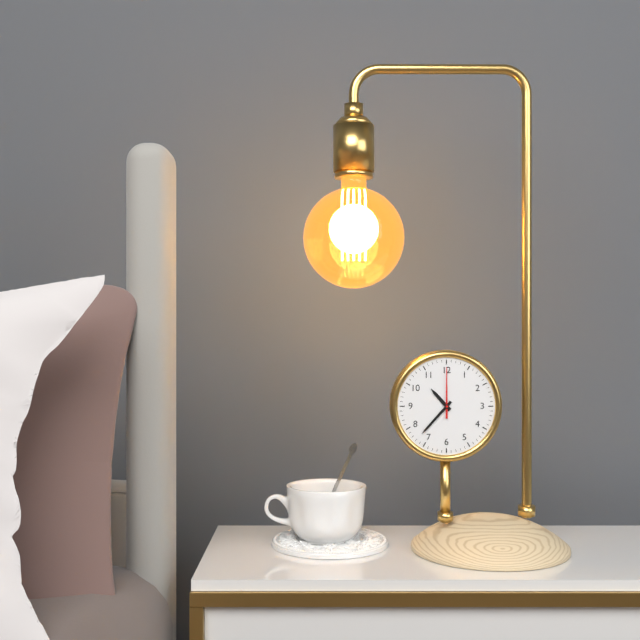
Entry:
10.37
